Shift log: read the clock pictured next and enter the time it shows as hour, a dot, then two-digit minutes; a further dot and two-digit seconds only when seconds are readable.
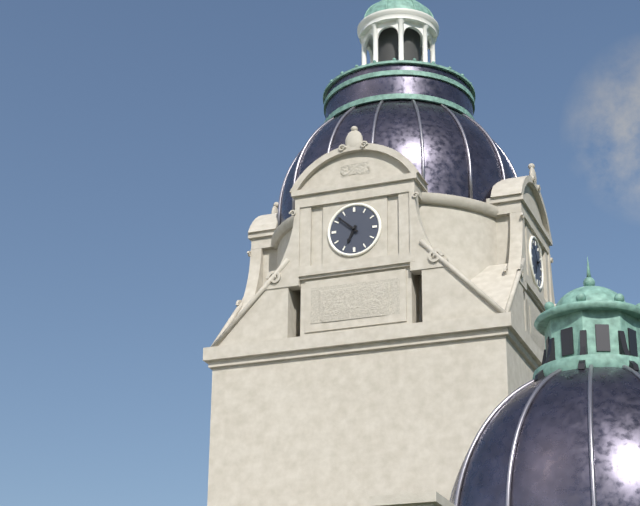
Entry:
6.52
